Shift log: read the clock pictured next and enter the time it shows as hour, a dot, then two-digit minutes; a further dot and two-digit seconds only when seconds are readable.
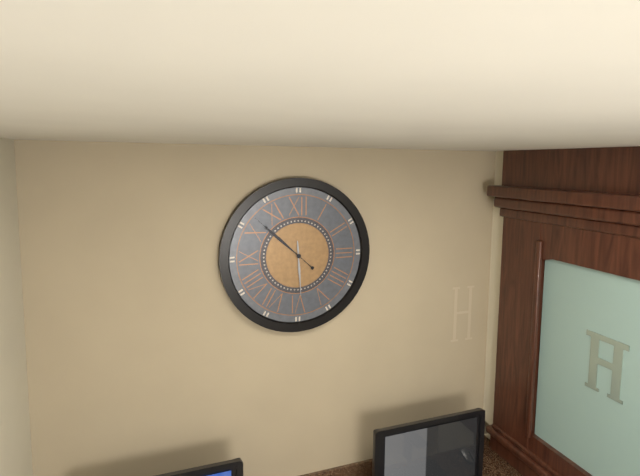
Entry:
5.52
